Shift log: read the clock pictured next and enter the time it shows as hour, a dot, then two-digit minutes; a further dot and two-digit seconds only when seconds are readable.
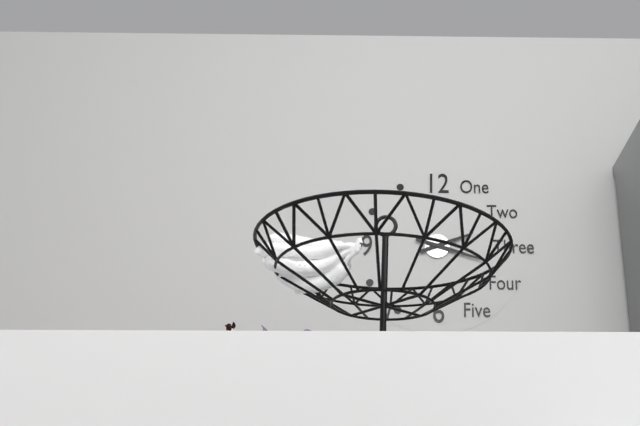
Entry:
2.18
